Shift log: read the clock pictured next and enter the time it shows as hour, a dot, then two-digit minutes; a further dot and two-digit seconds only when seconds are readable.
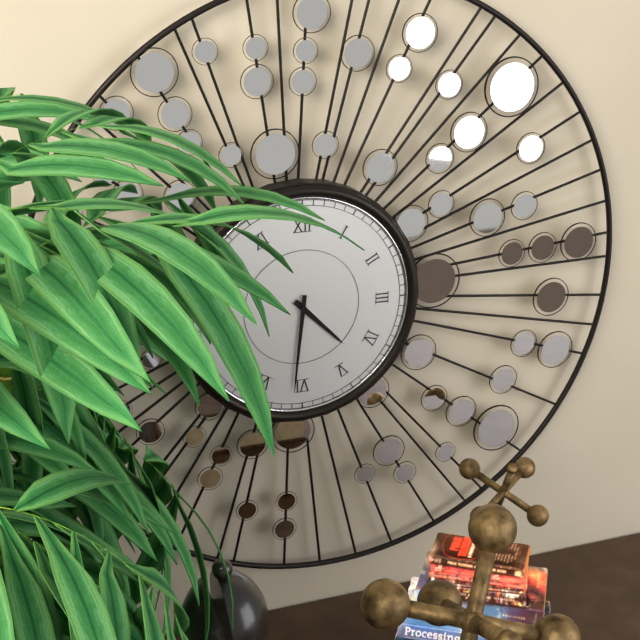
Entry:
4.31
